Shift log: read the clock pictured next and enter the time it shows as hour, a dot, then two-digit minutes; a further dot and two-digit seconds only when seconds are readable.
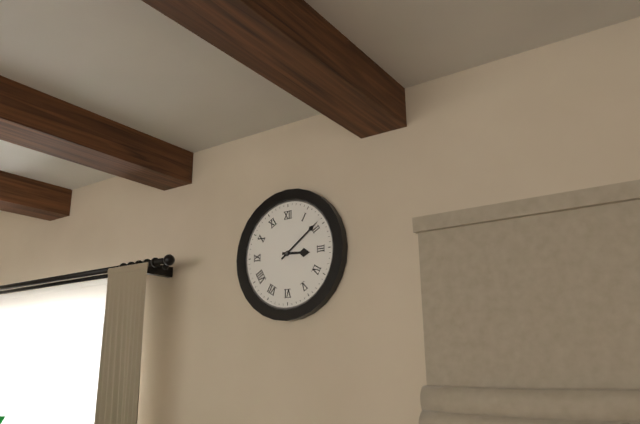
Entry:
3.09
